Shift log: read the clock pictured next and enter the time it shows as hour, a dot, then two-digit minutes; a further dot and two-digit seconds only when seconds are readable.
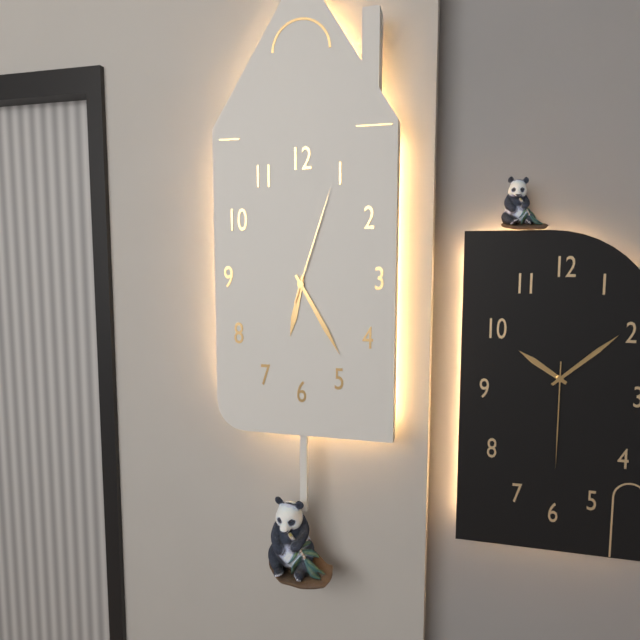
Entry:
6.25.03
